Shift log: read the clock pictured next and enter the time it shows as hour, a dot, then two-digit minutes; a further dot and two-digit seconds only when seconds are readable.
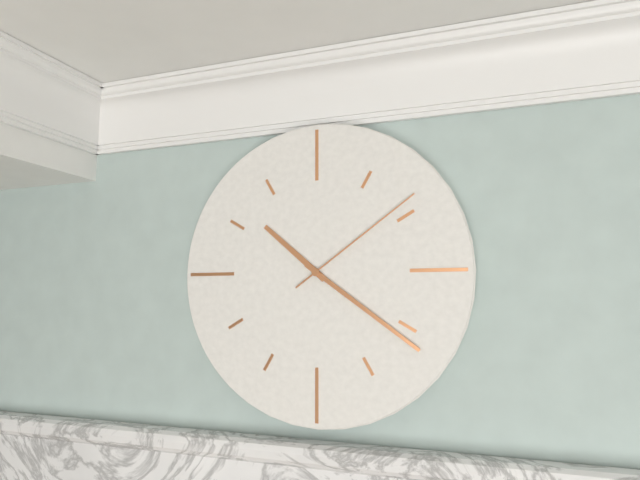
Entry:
10.21.09
